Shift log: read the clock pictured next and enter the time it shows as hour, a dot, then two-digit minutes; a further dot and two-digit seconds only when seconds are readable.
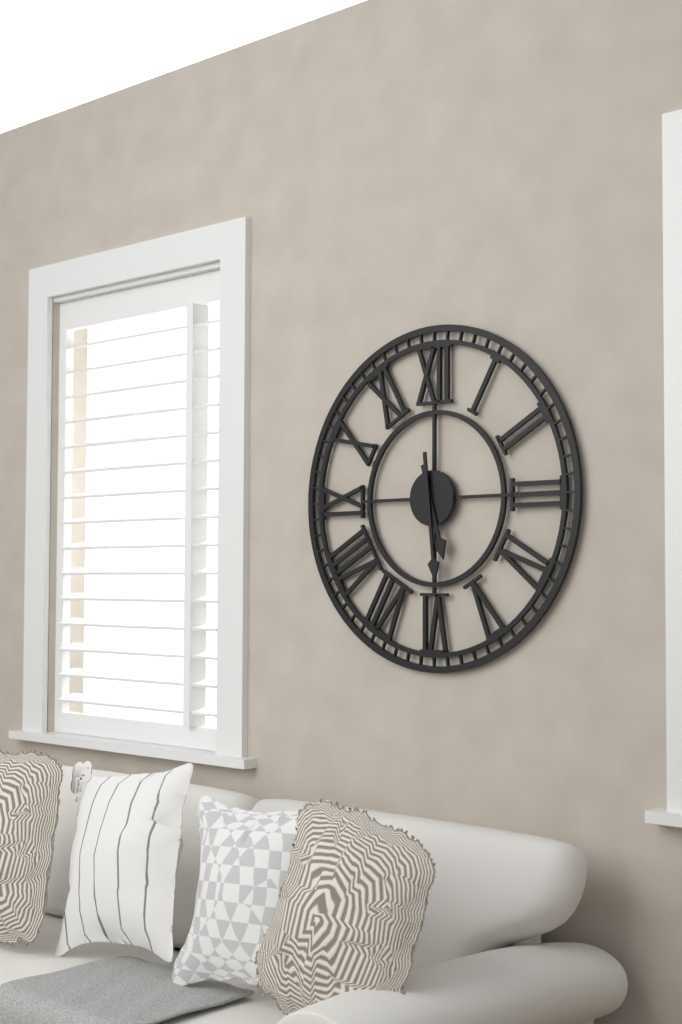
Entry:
5.29
